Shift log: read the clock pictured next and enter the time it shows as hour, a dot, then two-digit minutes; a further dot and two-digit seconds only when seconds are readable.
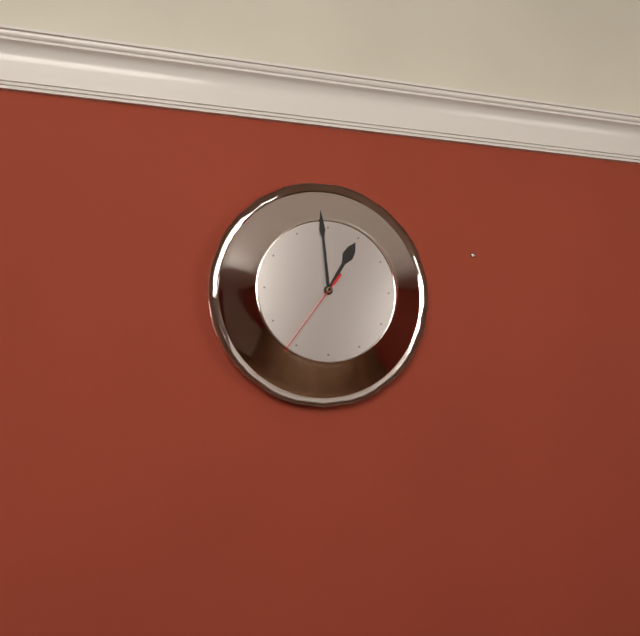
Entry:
12.59.36
